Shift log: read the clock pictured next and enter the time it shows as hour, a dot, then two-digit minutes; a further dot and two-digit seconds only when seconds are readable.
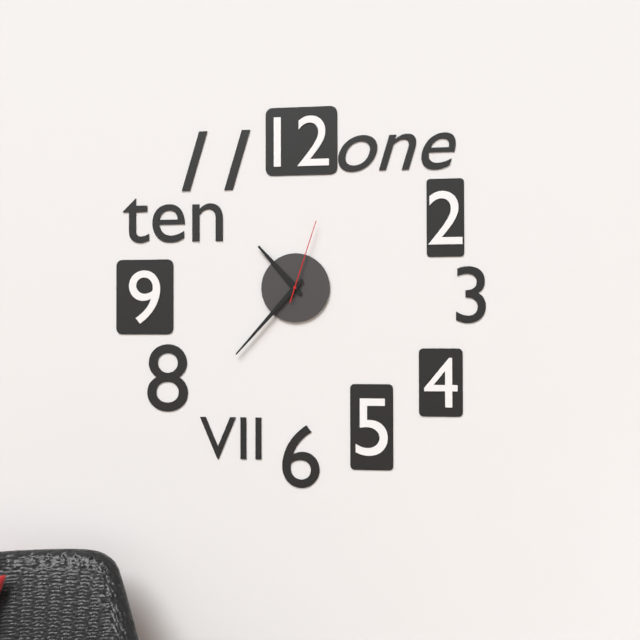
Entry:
10.37.03
